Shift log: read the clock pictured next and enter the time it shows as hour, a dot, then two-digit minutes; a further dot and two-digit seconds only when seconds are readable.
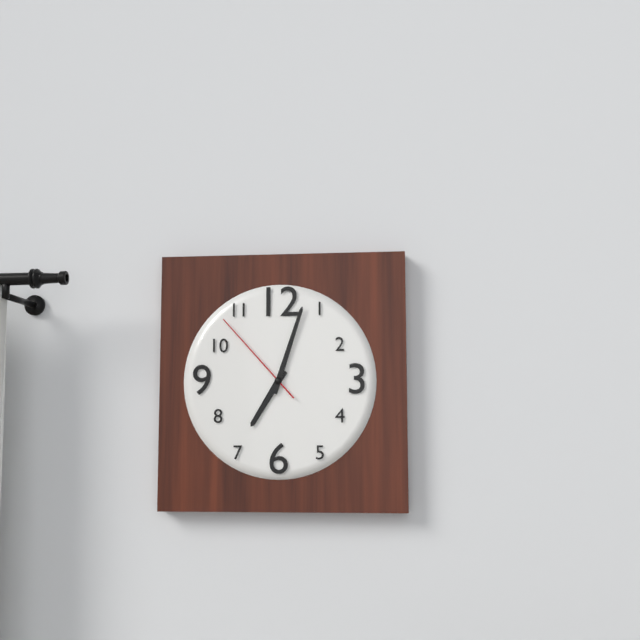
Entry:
7.03.53
